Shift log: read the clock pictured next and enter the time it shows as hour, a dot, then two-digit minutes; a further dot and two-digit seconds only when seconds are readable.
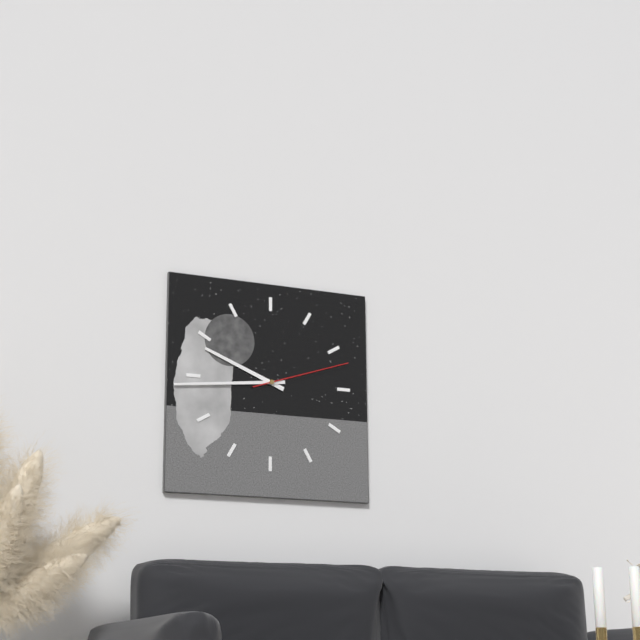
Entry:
9.44.12
